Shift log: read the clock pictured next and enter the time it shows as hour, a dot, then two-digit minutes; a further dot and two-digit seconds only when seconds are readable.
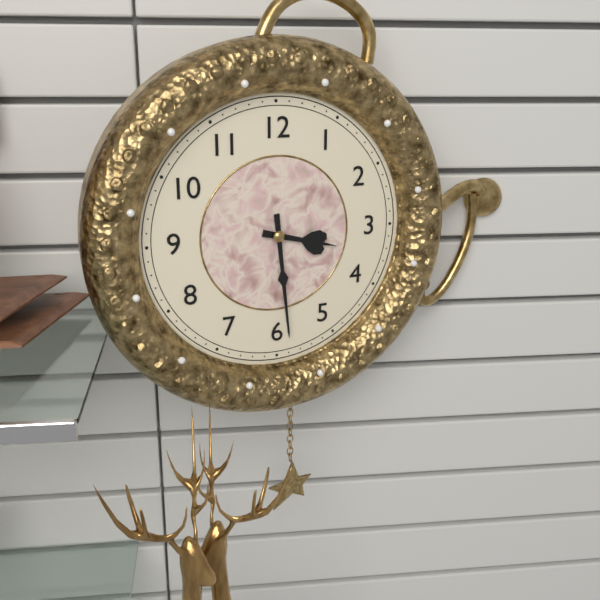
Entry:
3.29
